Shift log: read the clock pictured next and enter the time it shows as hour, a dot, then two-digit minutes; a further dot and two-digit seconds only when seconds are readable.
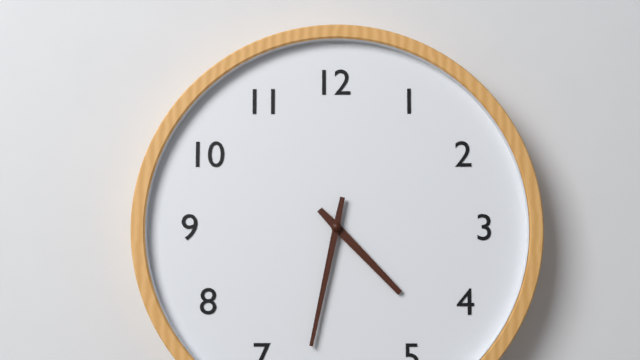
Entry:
4.32
